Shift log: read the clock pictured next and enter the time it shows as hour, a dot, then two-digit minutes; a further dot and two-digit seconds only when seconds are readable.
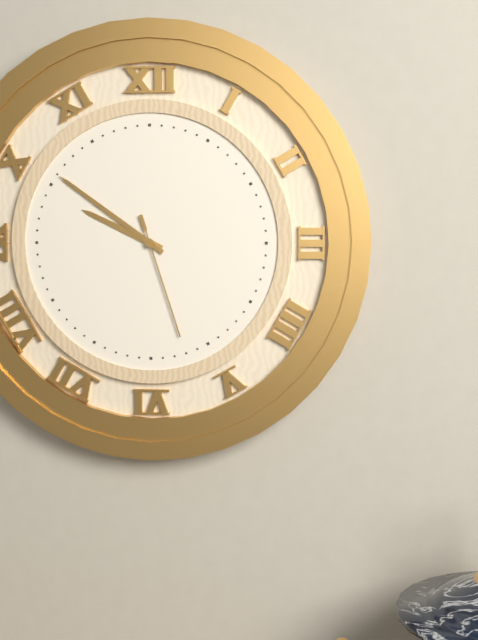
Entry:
9.51.27
